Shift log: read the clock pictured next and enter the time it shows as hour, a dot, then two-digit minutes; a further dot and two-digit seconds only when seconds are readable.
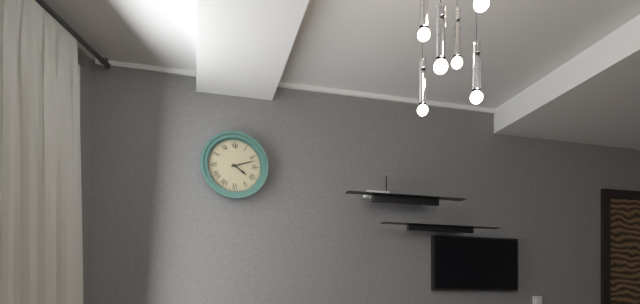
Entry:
4.12
